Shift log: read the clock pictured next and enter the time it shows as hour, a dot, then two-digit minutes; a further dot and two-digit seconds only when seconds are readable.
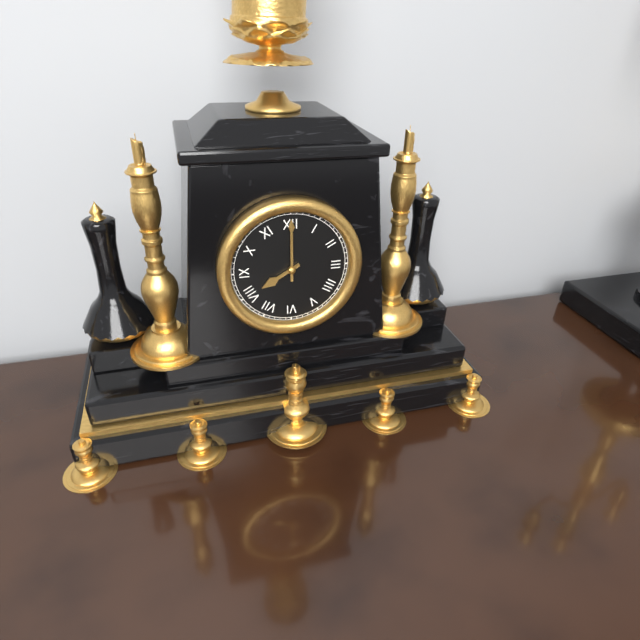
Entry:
8.00
